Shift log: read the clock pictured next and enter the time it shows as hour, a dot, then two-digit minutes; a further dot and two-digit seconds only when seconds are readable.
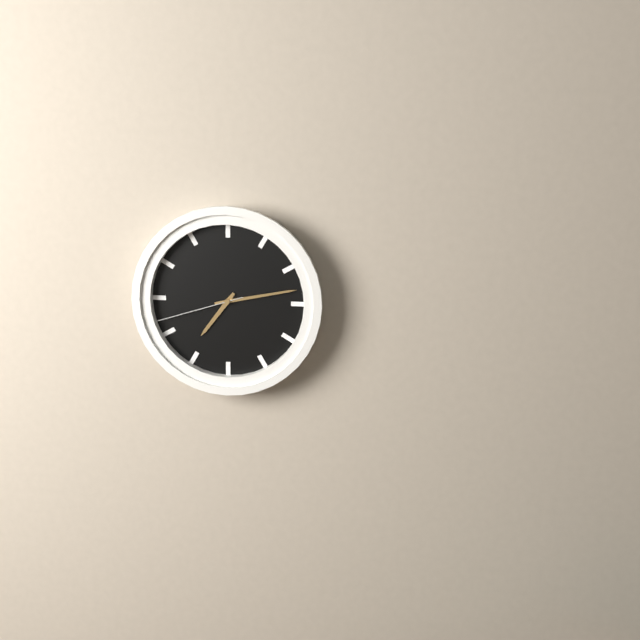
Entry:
7.13.42
